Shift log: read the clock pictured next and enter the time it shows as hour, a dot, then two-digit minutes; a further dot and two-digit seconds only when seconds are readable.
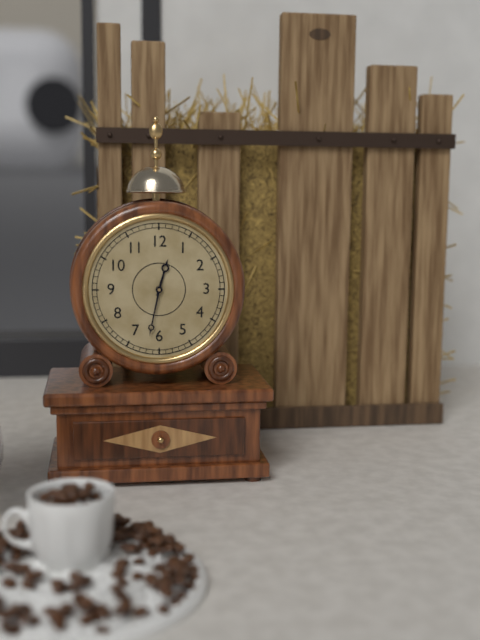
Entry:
12.32
